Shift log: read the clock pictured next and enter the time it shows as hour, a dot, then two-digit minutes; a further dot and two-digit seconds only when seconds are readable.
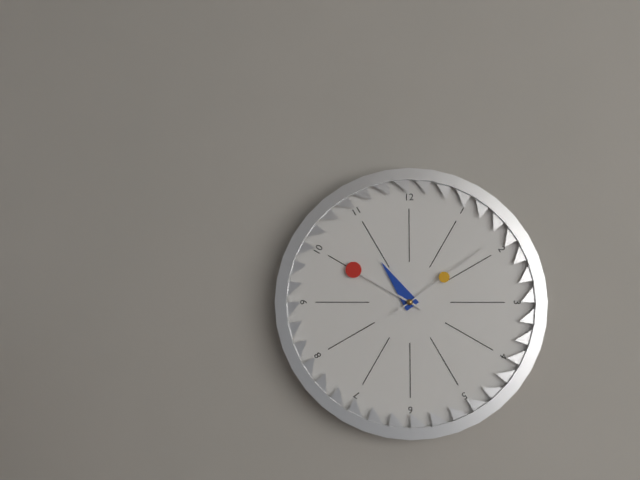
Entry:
10.50.09
